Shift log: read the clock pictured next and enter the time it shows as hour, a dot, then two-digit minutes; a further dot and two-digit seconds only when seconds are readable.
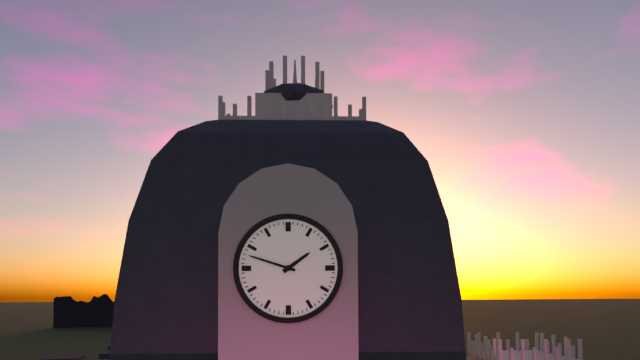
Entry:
1.48
